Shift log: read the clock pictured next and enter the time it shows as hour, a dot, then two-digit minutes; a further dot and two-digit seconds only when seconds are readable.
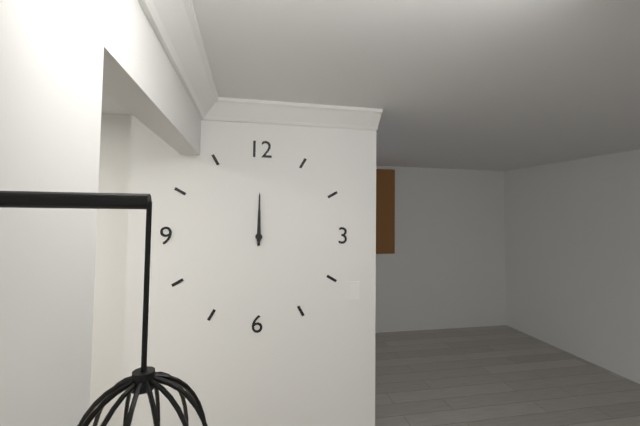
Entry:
12.00
